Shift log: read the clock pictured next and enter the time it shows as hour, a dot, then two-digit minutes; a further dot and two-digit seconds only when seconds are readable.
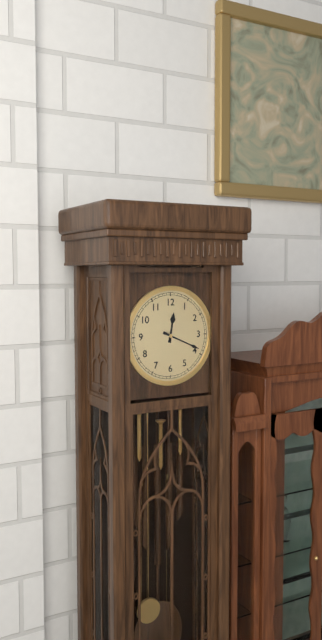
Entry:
12.19
